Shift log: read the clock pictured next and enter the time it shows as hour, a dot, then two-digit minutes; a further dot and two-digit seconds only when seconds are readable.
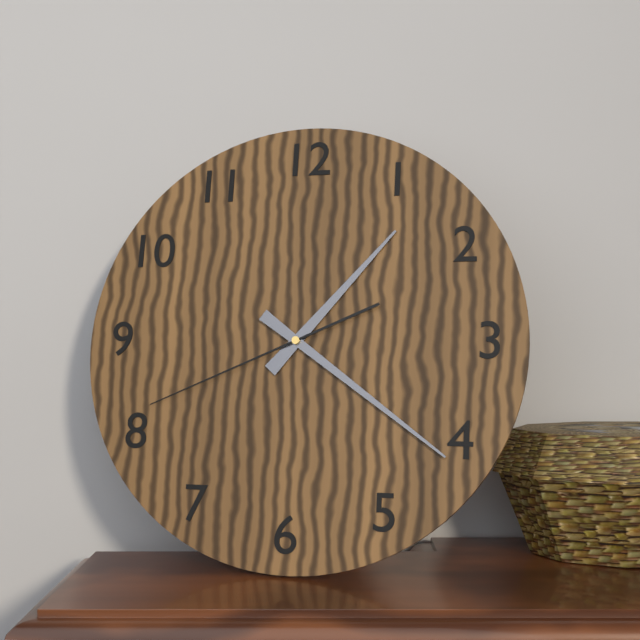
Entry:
1.21.41
